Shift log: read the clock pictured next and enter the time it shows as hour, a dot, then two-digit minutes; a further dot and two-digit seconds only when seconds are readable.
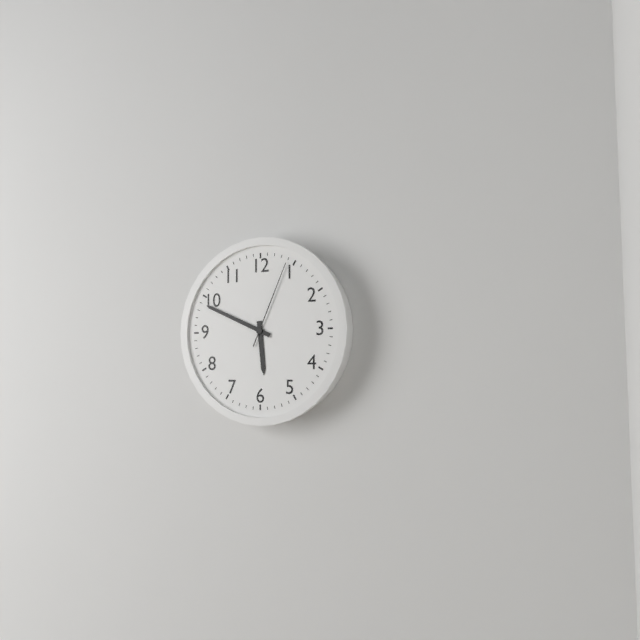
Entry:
5.49.04
